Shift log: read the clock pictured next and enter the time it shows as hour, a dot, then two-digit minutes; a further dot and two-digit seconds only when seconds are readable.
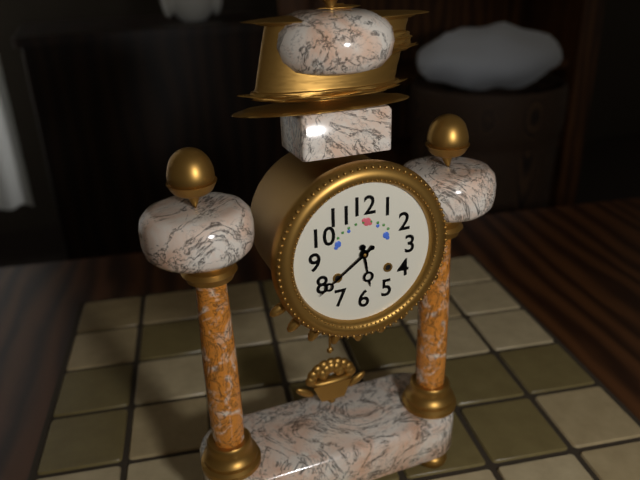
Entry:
5.39
